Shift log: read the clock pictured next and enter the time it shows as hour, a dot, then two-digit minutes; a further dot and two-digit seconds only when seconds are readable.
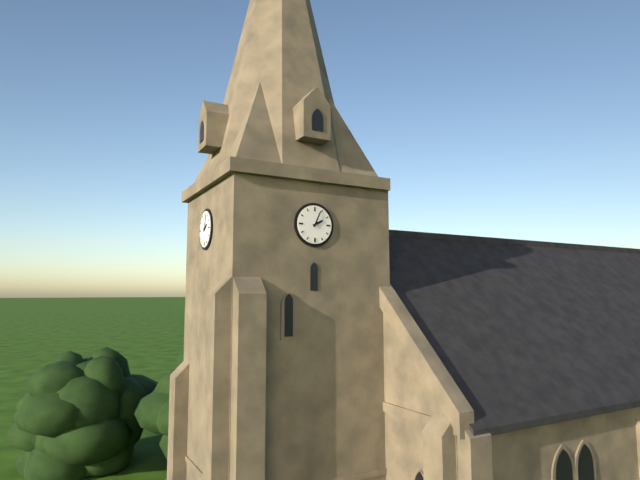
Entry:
2.04
